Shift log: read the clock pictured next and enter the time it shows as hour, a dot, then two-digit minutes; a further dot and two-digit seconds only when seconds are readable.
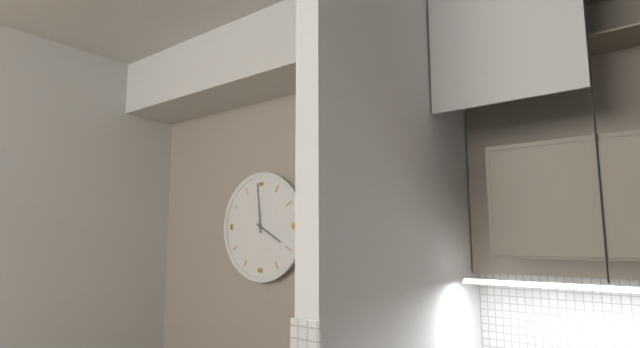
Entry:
3.59
